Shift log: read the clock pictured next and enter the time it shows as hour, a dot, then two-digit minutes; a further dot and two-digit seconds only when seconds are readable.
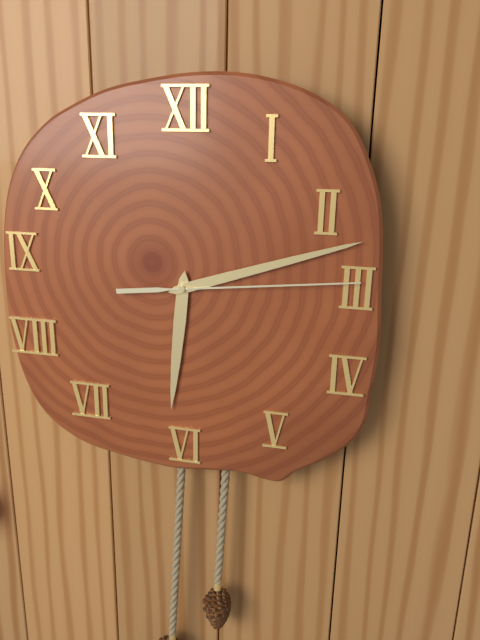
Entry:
6.12.14
